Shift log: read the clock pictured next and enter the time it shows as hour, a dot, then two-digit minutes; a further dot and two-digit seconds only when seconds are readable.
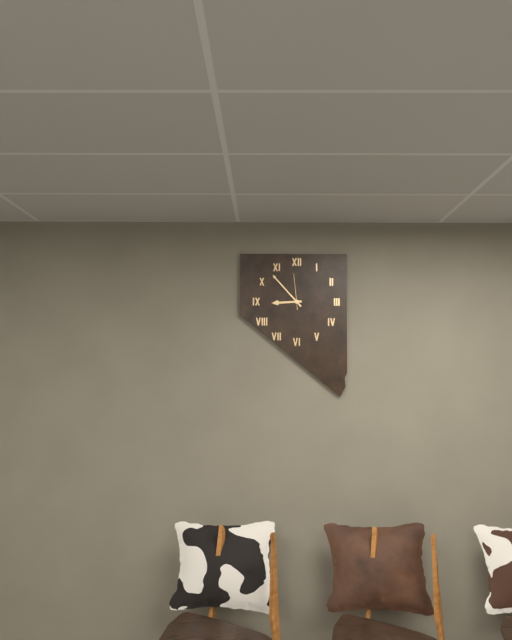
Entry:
8.53
